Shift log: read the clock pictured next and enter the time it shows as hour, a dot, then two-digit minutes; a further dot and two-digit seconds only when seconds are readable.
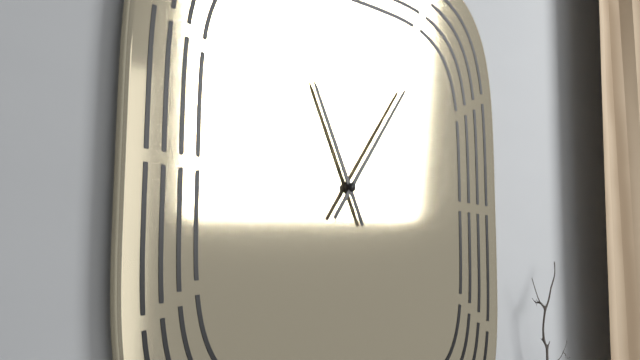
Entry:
11.06
